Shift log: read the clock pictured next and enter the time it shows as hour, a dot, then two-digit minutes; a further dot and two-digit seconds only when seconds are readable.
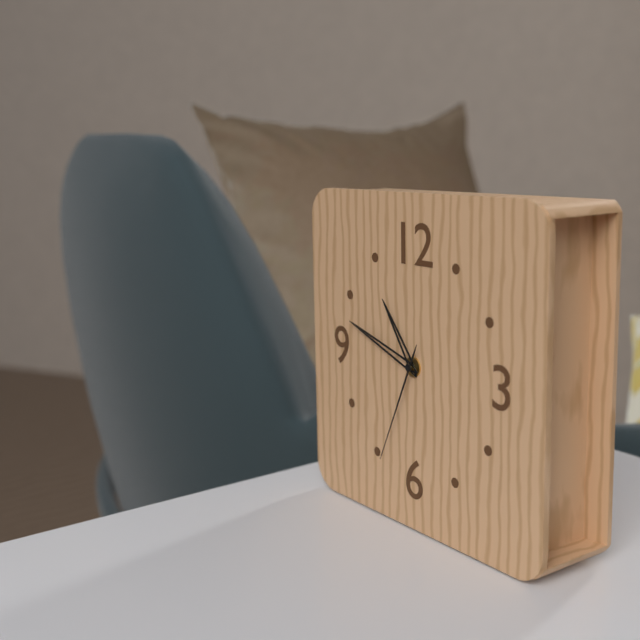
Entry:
10.48.34
